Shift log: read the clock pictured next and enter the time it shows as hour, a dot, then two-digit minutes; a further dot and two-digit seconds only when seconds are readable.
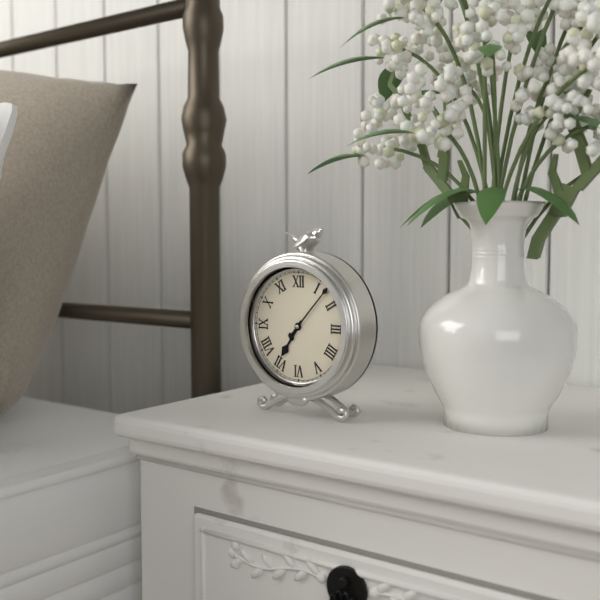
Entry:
7.07
